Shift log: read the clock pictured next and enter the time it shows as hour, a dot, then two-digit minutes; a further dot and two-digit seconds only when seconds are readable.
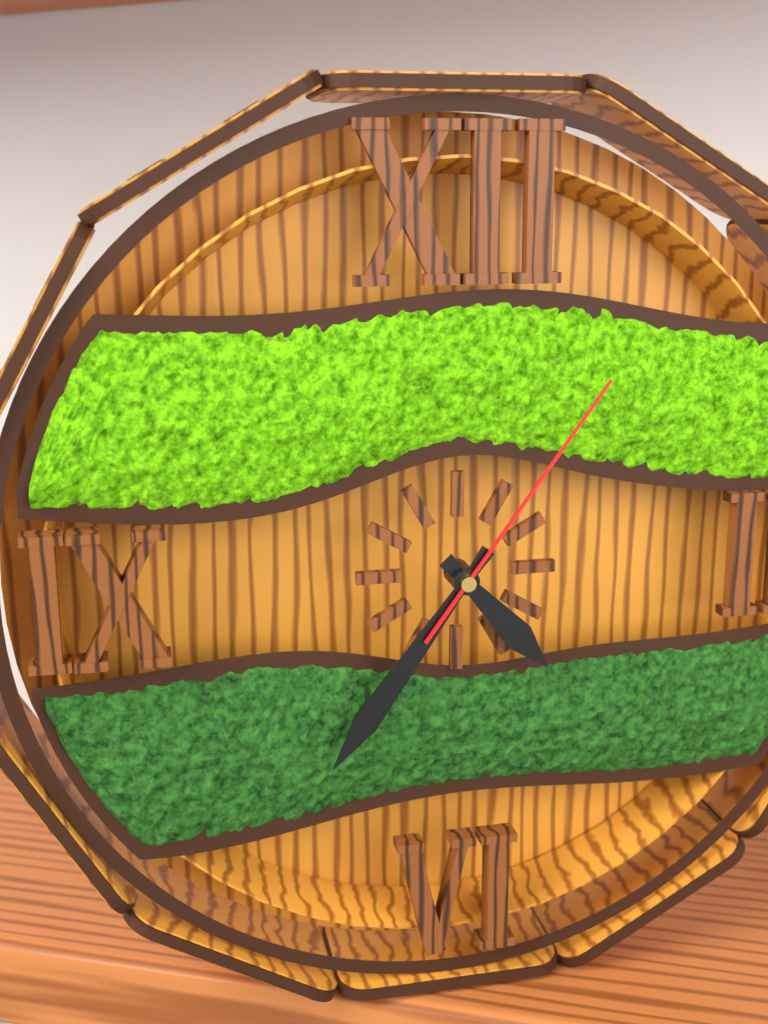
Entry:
4.36.06
